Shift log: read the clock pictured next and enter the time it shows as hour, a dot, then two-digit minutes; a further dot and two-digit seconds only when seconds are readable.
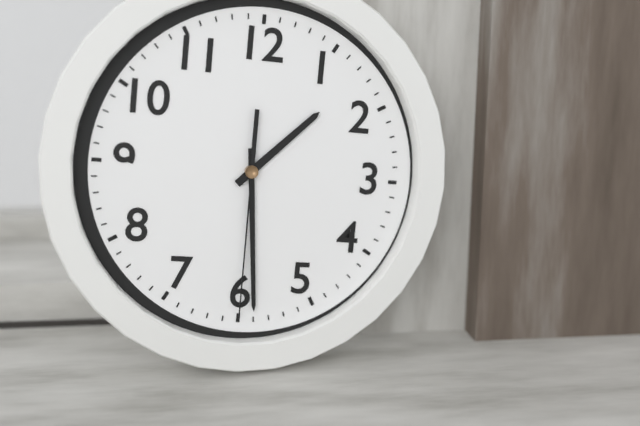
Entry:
1.29.30
